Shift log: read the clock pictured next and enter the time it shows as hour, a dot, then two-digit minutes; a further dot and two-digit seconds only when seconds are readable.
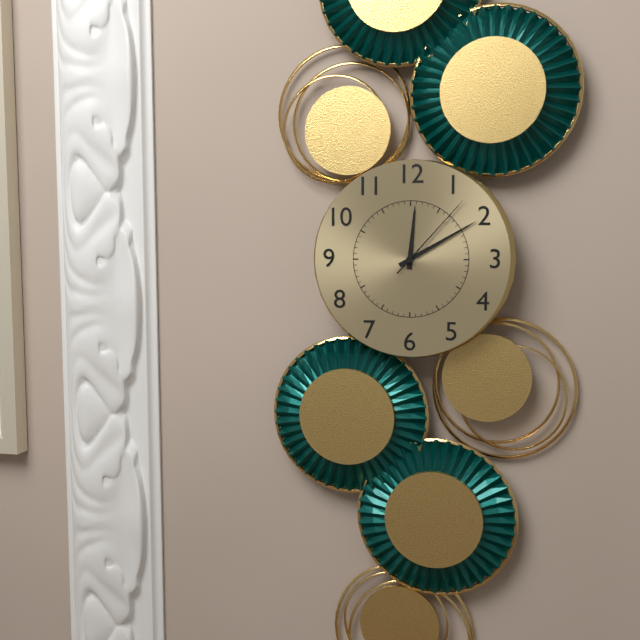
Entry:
12.10.07
